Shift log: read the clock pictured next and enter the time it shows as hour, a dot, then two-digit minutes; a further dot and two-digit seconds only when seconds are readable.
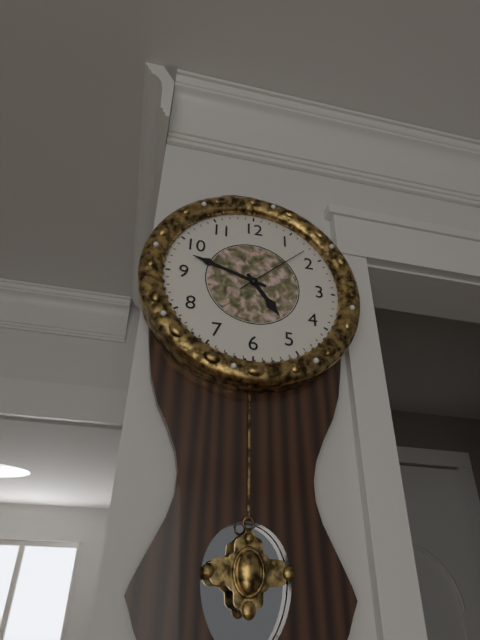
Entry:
4.48.08
